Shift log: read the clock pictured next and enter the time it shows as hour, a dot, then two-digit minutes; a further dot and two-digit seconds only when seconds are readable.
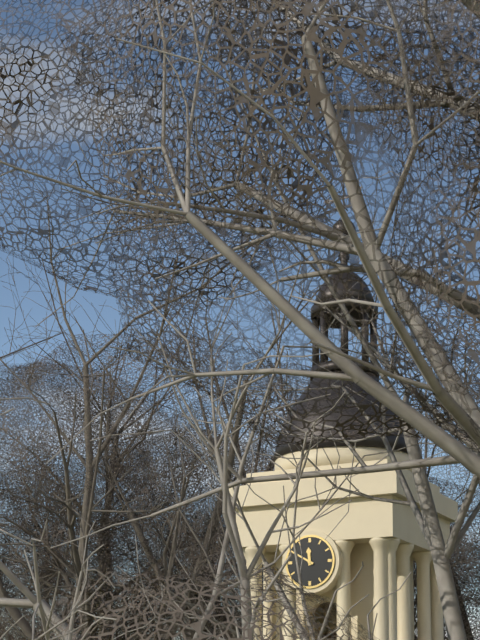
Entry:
11.50
